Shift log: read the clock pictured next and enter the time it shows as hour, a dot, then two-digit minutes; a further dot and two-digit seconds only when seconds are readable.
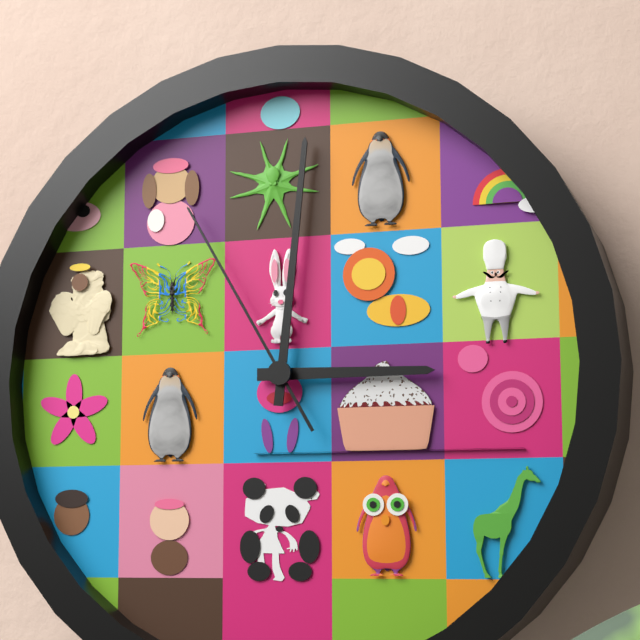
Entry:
3.01.55
